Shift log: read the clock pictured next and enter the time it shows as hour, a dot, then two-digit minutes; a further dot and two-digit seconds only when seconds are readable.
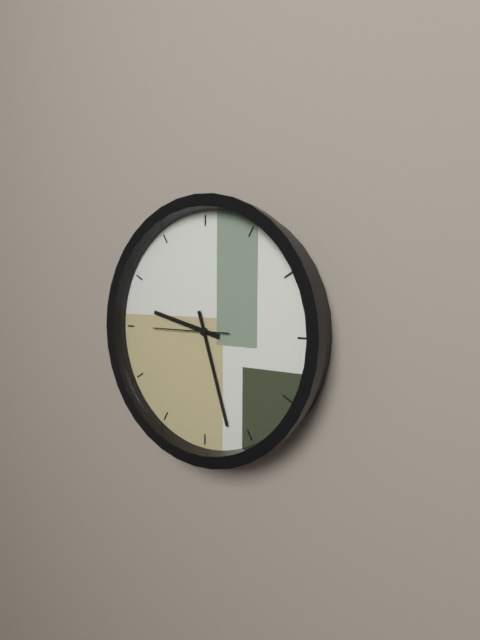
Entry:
9.27.45
